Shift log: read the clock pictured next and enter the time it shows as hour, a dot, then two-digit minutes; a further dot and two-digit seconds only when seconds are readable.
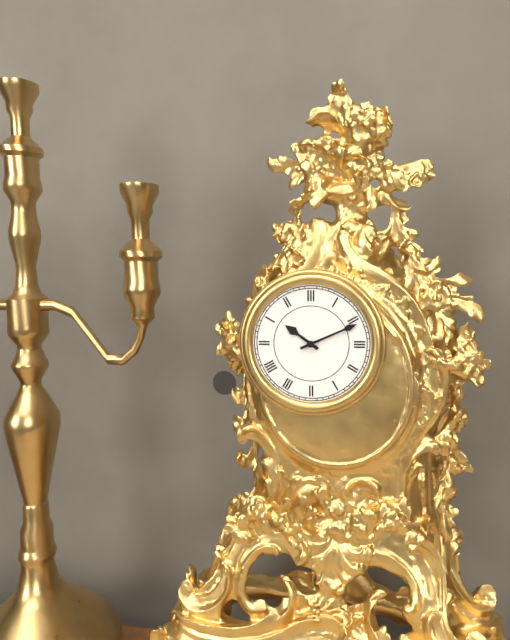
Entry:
10.11
